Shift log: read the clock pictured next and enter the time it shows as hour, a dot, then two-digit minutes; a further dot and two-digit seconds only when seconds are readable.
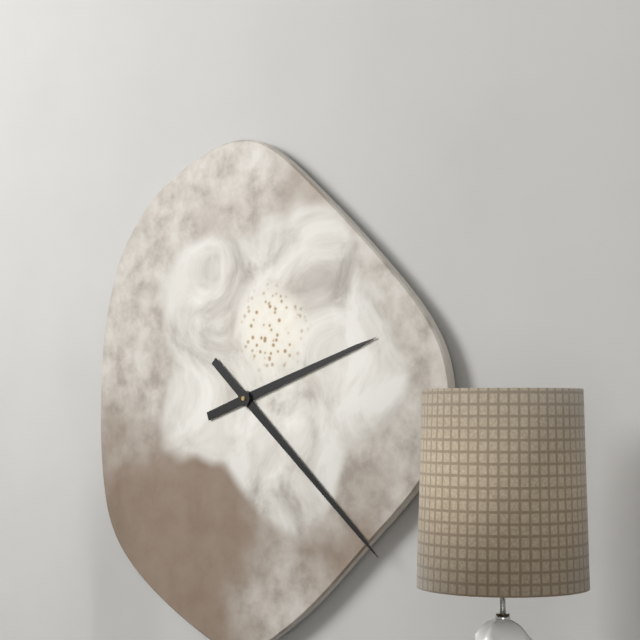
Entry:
2.22
